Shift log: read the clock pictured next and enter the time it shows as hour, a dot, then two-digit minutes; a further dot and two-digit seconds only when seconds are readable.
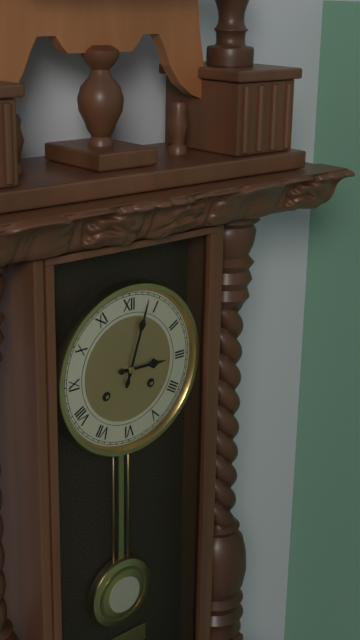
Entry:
3.03
